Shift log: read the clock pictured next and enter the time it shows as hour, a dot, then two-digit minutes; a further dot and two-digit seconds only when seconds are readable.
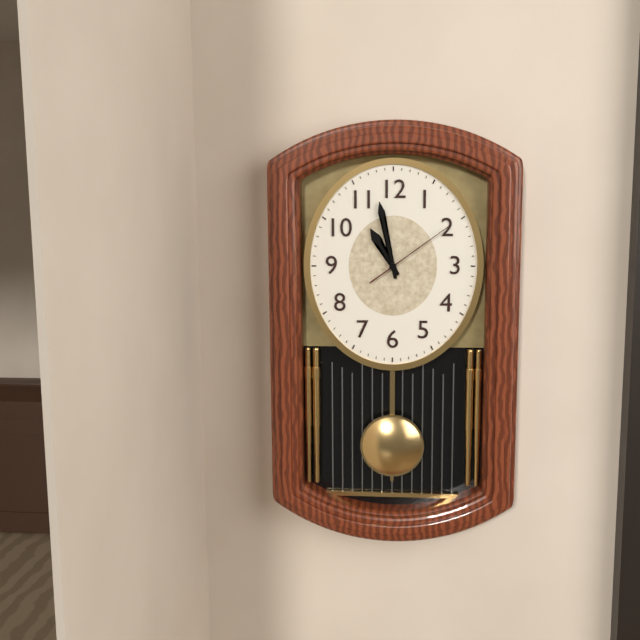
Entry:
10.58.09
